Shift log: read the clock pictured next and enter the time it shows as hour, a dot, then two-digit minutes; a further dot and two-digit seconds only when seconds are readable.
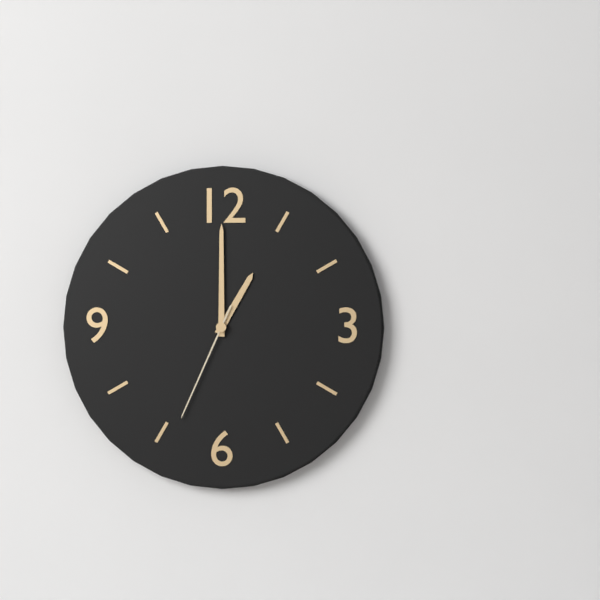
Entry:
1.00.34
